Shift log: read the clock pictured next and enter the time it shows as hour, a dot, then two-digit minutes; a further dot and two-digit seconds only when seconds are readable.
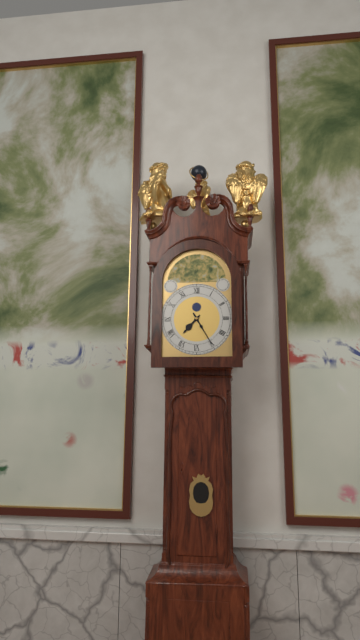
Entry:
7.25
